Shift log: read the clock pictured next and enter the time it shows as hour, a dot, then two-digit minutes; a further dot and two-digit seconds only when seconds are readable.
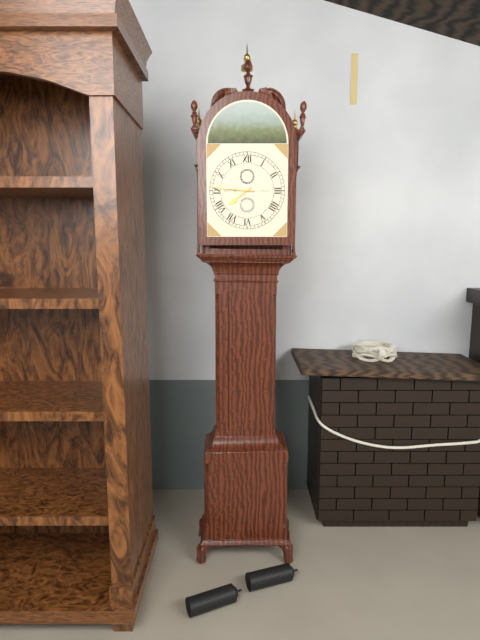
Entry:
7.46
